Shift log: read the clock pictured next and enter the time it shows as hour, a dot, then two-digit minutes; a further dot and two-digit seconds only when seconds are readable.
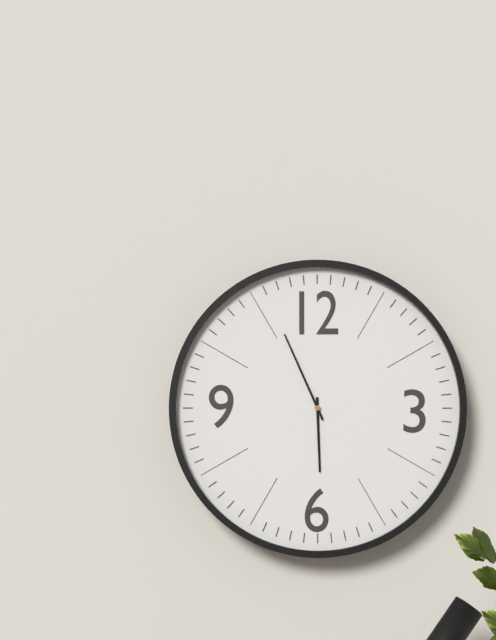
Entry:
5.56
